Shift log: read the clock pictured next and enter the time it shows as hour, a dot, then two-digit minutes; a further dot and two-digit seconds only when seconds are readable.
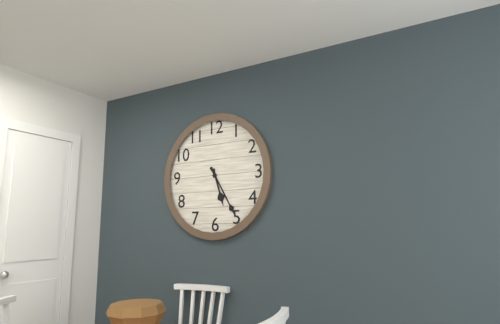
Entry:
5.25
